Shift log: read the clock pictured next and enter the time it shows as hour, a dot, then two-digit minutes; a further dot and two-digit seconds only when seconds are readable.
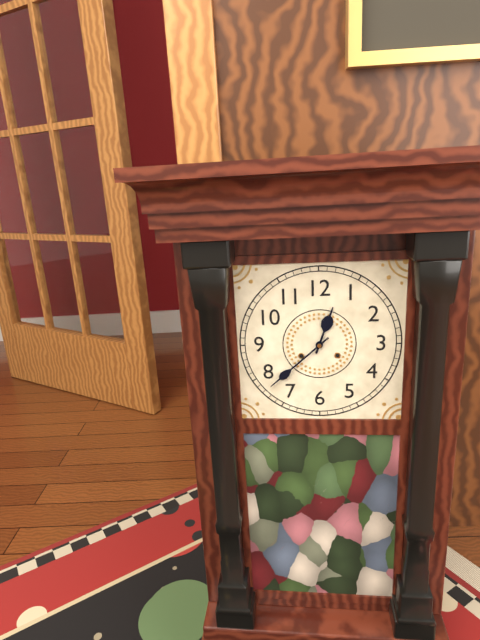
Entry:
12.38
